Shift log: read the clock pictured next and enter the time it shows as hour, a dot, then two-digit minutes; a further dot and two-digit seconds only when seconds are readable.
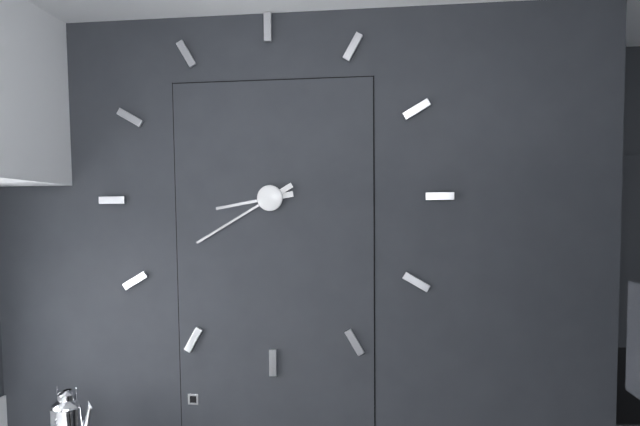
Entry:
8.40
